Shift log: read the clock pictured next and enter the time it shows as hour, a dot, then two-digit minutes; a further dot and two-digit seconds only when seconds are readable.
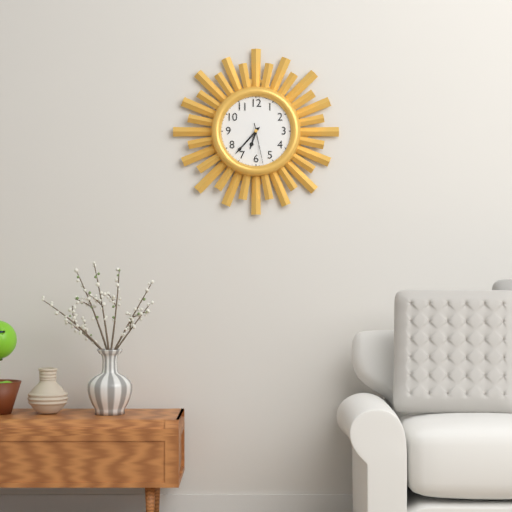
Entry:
6.37
